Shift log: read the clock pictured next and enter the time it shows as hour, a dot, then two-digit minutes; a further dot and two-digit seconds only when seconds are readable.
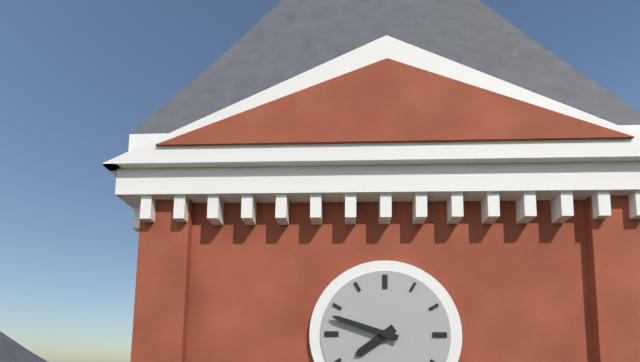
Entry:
7.48
